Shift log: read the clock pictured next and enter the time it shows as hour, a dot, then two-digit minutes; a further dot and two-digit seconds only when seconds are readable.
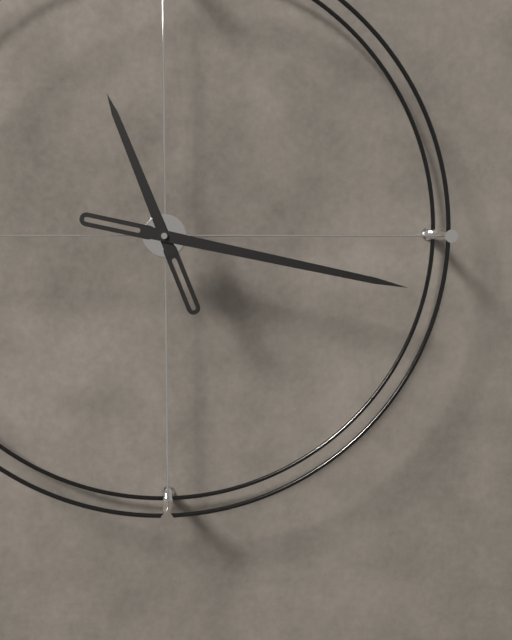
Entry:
11.17
